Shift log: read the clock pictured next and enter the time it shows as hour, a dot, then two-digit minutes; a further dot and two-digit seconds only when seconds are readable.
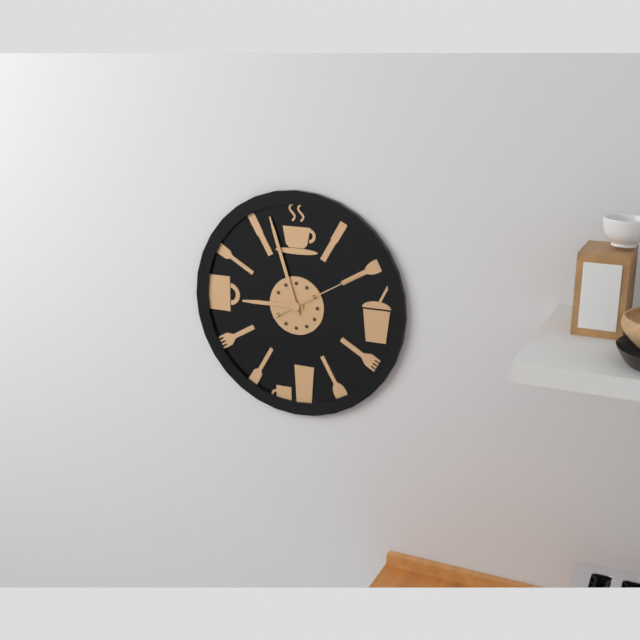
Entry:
8.57.10
